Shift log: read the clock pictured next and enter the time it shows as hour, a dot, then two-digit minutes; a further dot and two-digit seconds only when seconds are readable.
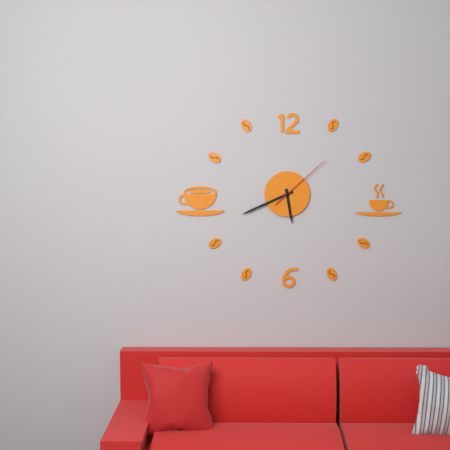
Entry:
5.41.08
